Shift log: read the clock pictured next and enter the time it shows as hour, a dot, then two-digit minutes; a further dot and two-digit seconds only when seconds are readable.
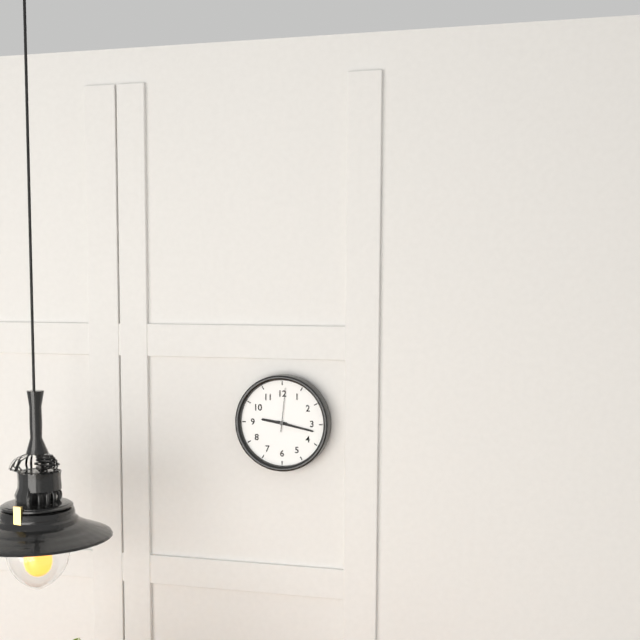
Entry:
9.17
